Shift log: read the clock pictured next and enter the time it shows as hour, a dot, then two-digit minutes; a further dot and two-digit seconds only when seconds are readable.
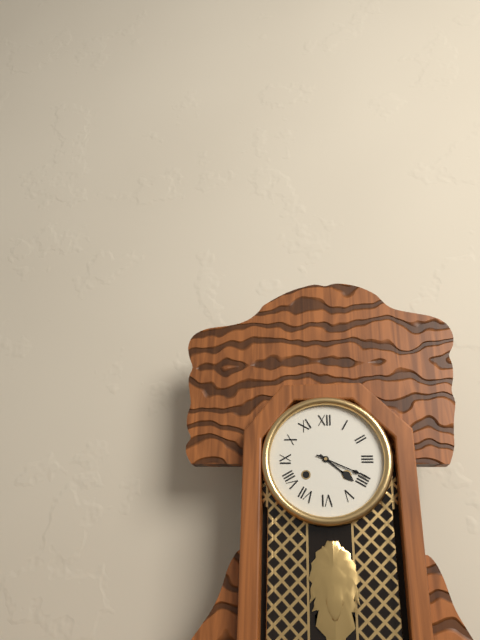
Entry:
4.19
